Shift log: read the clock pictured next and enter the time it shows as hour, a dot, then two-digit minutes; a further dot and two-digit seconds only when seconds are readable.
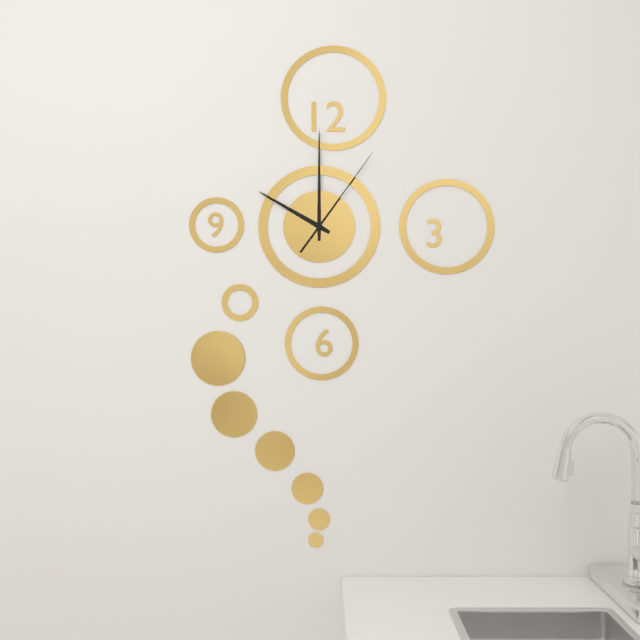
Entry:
10.00.06
